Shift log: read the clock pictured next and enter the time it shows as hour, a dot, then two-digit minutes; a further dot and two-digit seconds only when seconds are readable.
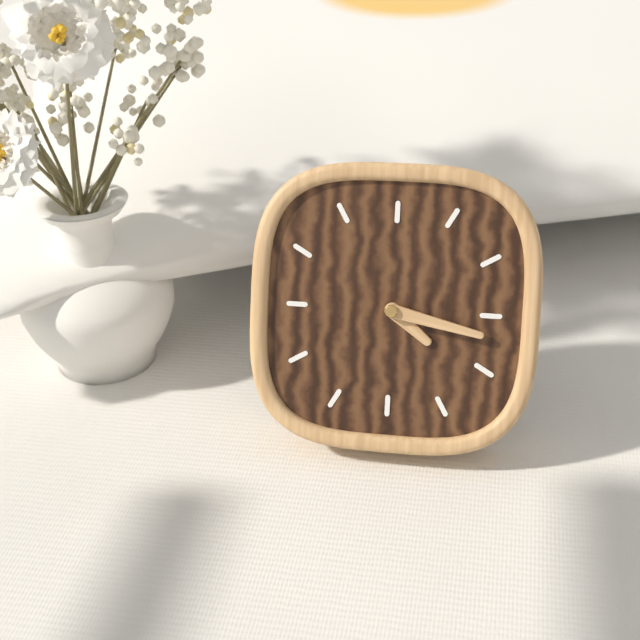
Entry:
4.17
